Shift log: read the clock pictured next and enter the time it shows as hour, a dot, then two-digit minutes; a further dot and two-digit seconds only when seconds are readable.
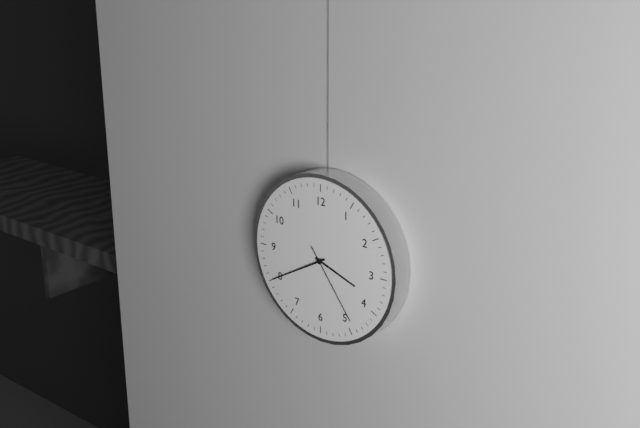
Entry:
3.40.24
